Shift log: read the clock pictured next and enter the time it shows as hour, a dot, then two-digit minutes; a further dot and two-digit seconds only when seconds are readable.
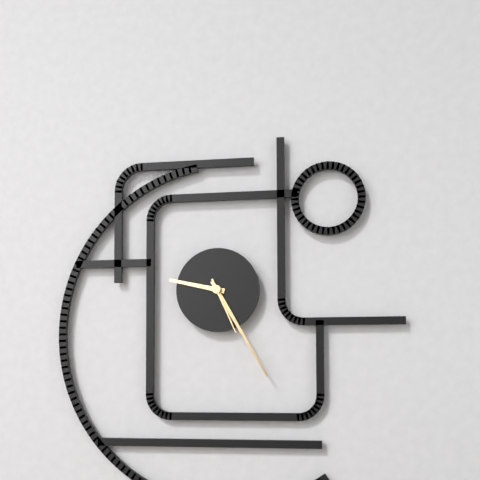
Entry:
9.25.26
